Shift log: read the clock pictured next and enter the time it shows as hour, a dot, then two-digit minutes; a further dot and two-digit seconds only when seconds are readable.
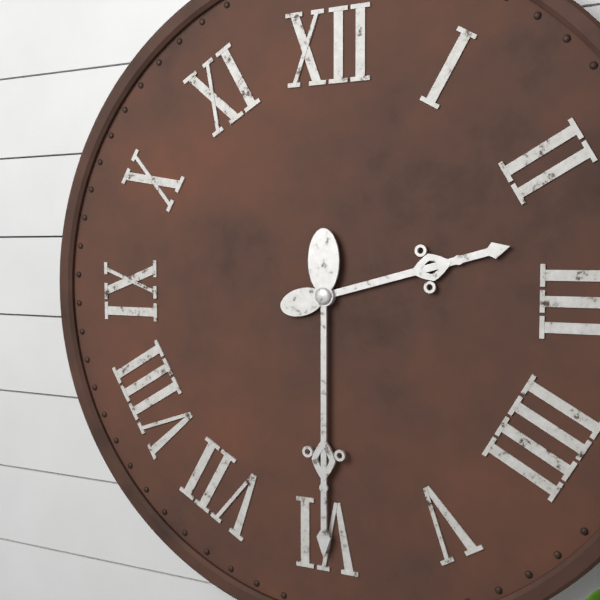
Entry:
2.30
